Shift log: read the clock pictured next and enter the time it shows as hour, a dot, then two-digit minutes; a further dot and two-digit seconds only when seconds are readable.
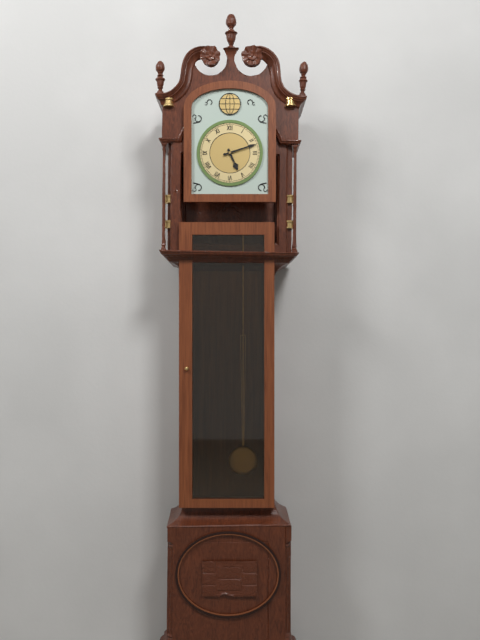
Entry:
5.12
